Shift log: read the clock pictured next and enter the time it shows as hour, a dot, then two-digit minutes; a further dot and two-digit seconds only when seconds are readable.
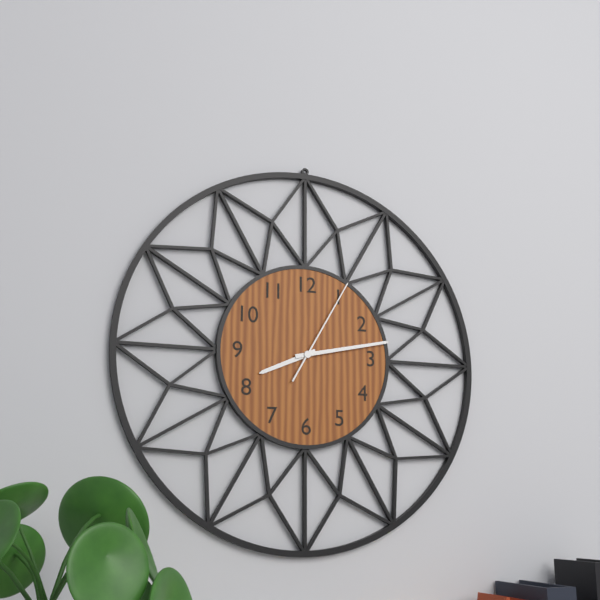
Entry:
8.13.05
